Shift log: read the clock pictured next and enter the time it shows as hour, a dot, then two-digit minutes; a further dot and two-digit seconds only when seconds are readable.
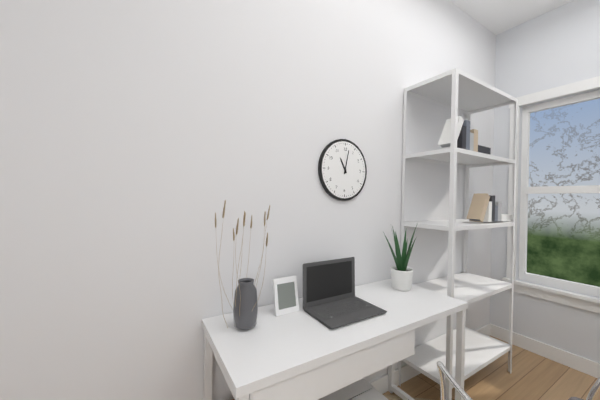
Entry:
11.02
